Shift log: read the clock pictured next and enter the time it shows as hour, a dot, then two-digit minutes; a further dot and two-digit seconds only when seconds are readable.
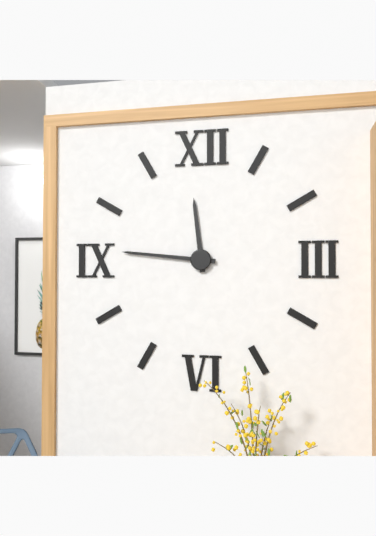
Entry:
11.46
